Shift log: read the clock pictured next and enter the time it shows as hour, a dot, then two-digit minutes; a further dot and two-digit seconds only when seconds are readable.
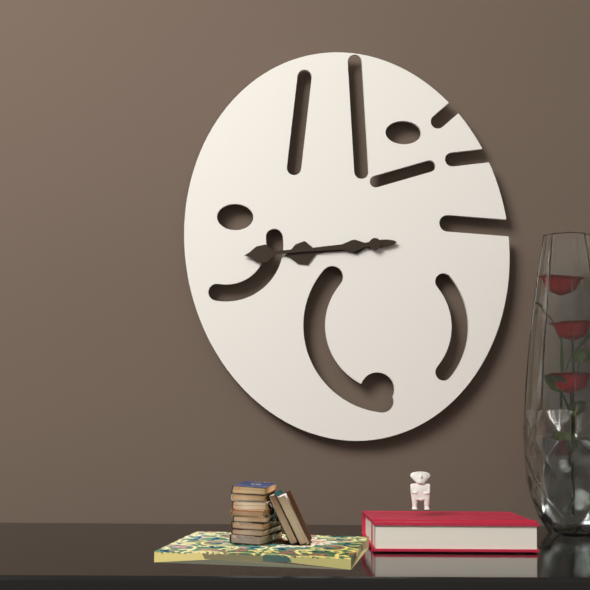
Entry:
8.44
